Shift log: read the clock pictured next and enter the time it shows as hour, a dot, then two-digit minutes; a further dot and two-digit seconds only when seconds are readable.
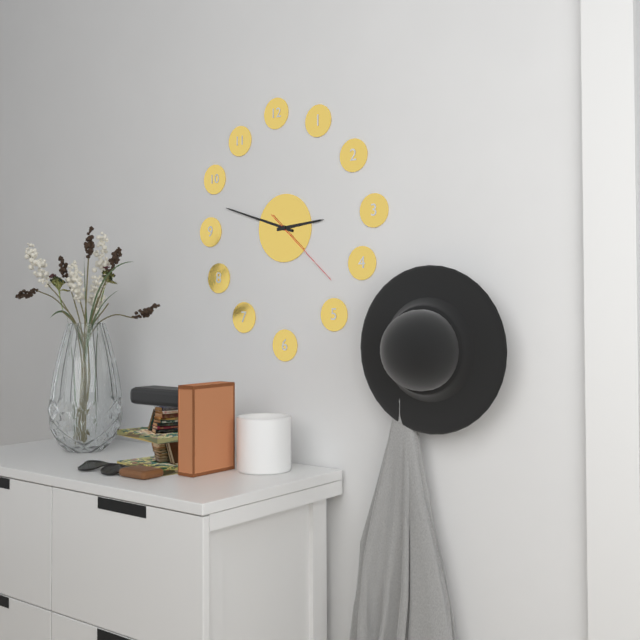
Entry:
2.48.22
